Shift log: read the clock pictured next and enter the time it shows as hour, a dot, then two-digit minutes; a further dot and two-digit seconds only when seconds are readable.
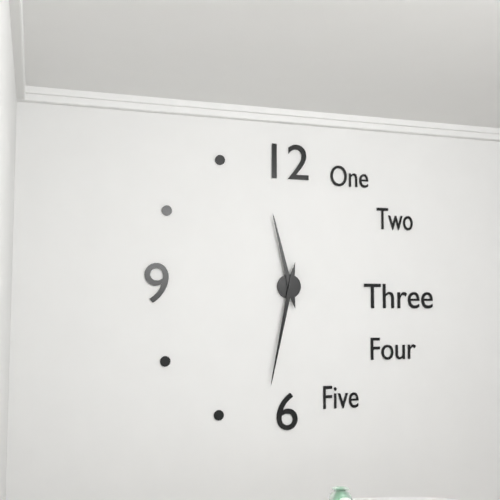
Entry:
11.32
